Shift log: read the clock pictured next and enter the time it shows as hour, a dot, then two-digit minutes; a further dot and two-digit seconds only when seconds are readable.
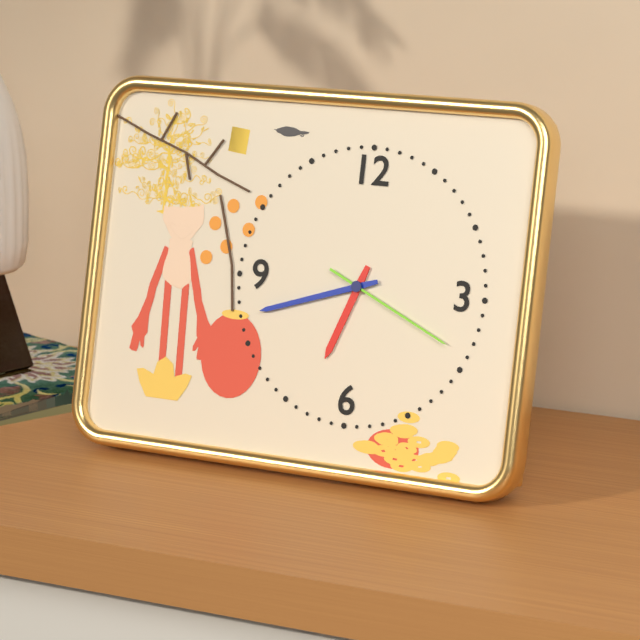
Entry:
6.42.19
